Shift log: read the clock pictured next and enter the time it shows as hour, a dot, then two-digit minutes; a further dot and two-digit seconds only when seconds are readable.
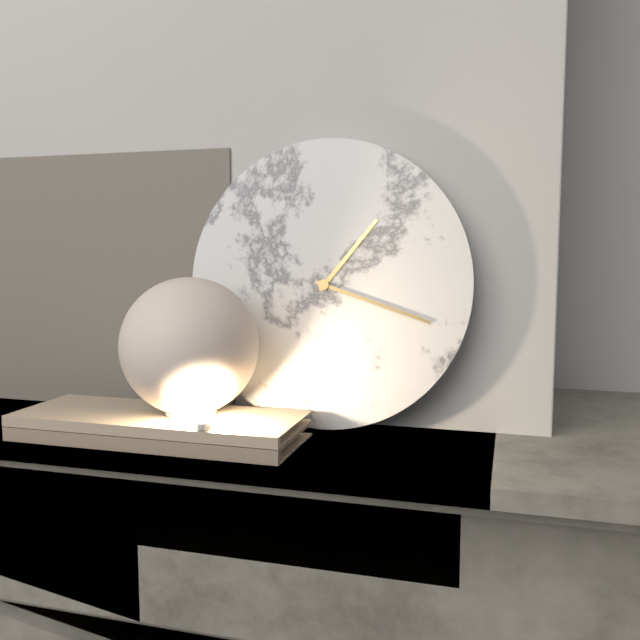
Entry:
1.18
